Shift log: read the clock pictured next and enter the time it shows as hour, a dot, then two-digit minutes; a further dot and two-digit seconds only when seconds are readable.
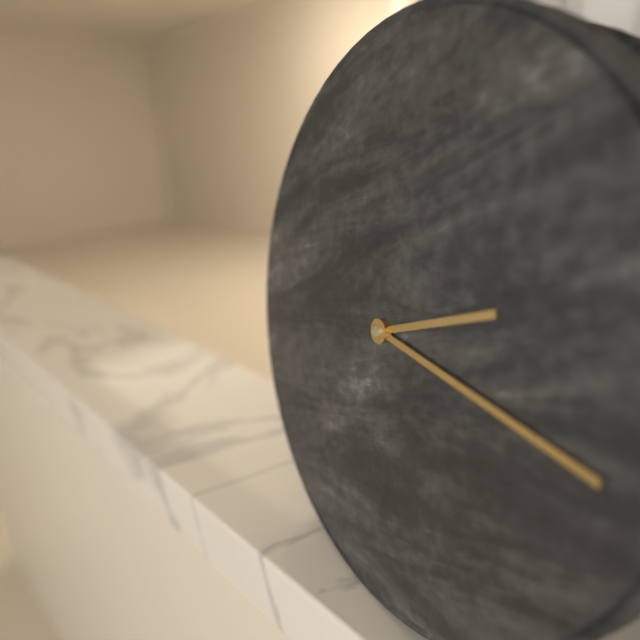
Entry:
2.16
